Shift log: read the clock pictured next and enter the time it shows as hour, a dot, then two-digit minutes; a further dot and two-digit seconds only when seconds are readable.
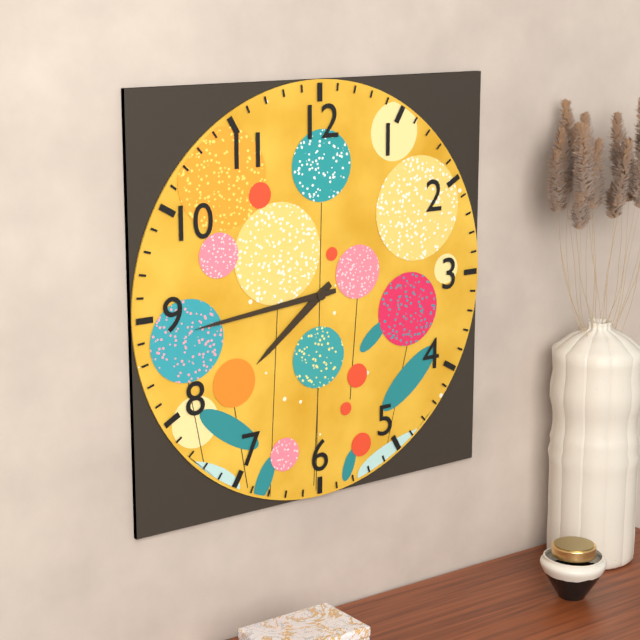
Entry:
7.44
